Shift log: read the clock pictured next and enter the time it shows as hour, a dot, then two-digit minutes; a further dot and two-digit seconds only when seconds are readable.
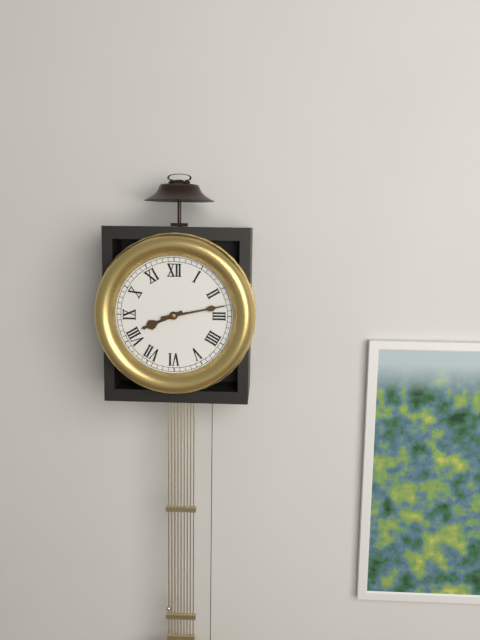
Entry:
8.13
